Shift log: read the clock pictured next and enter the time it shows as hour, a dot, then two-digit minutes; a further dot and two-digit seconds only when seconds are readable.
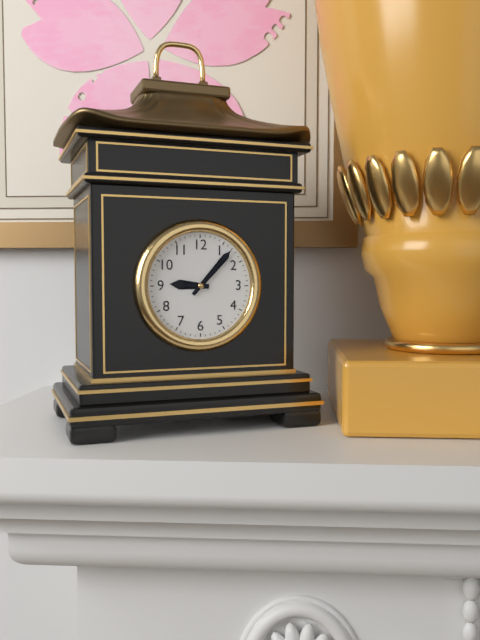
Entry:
9.07
